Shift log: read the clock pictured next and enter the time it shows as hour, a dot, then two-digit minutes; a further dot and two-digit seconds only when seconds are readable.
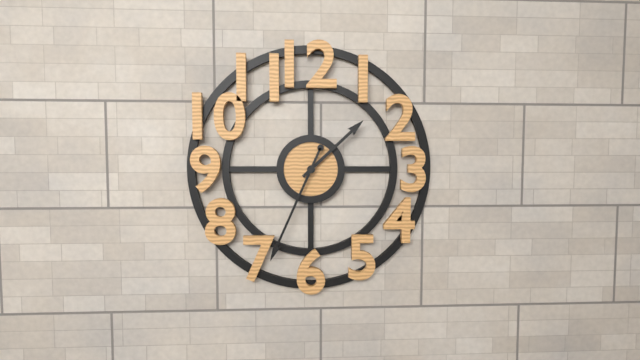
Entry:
1.34
